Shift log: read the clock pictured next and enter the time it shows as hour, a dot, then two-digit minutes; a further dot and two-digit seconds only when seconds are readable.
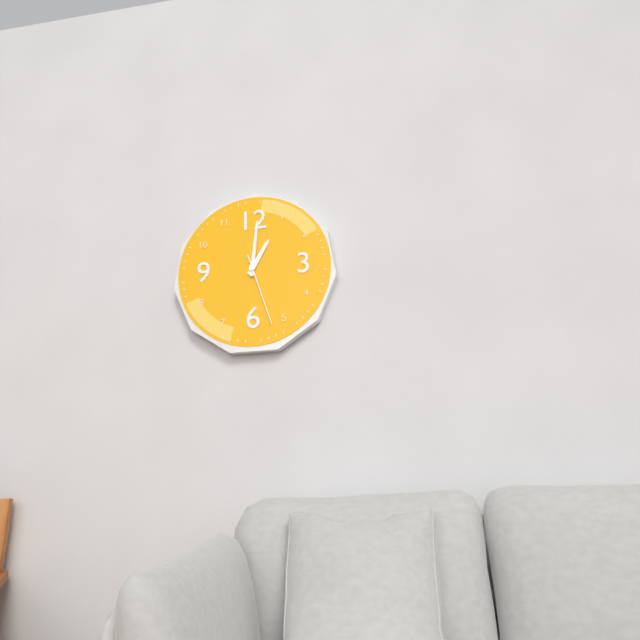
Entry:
1.01.27
